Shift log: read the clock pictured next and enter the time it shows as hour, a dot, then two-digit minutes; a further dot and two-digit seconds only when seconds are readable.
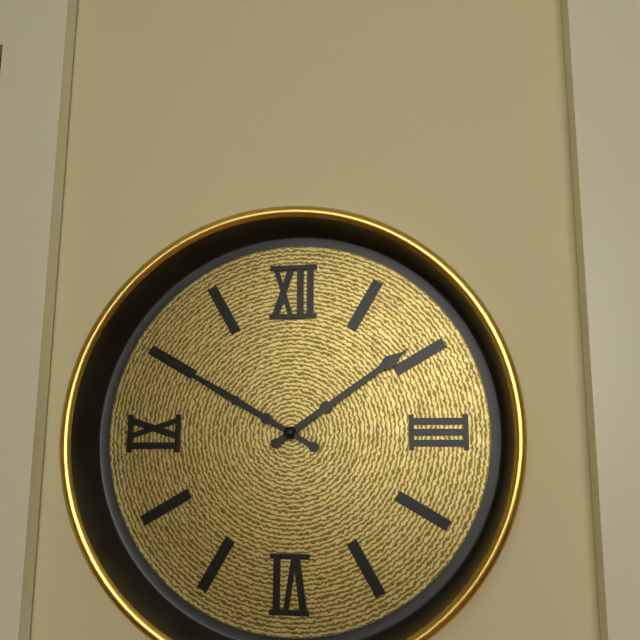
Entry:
1.50
